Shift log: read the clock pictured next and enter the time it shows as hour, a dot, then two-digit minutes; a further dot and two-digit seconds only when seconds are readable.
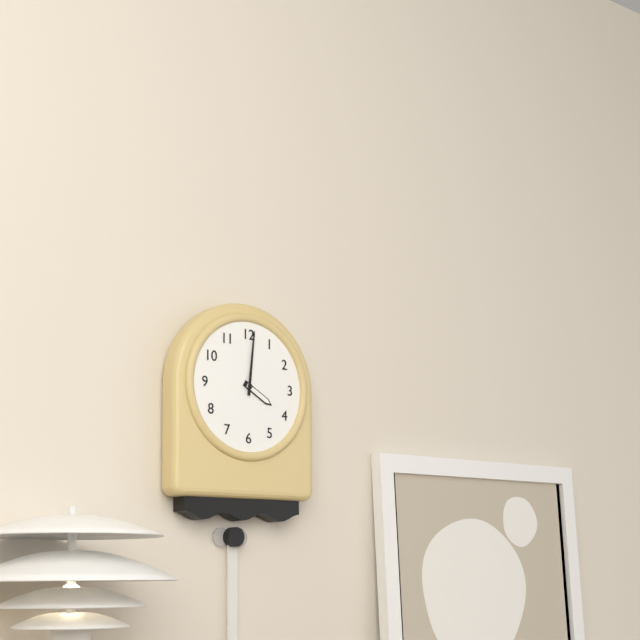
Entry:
4.01
